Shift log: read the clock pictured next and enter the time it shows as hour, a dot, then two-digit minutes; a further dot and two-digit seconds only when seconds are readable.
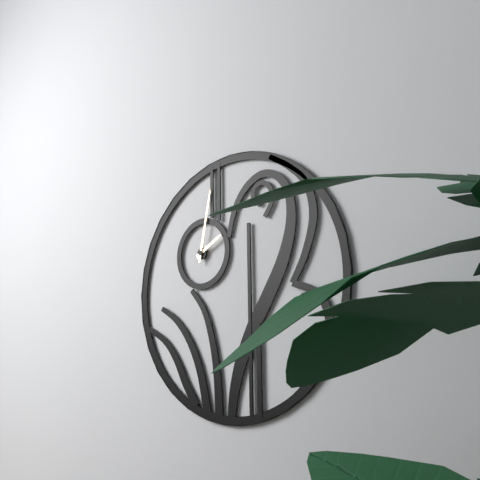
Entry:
2.02
